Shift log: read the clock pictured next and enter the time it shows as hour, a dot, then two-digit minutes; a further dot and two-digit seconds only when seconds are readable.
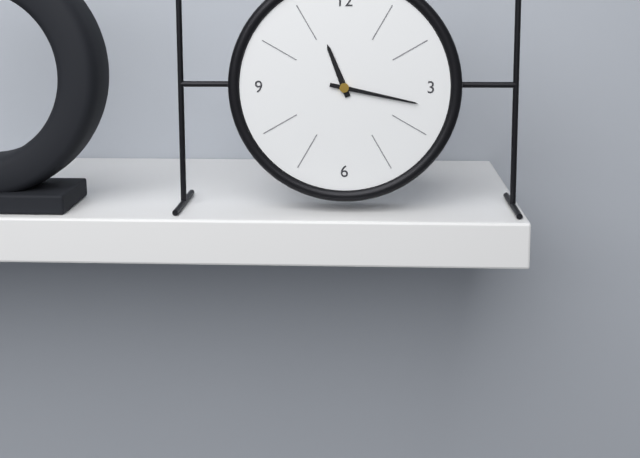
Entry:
11.17
